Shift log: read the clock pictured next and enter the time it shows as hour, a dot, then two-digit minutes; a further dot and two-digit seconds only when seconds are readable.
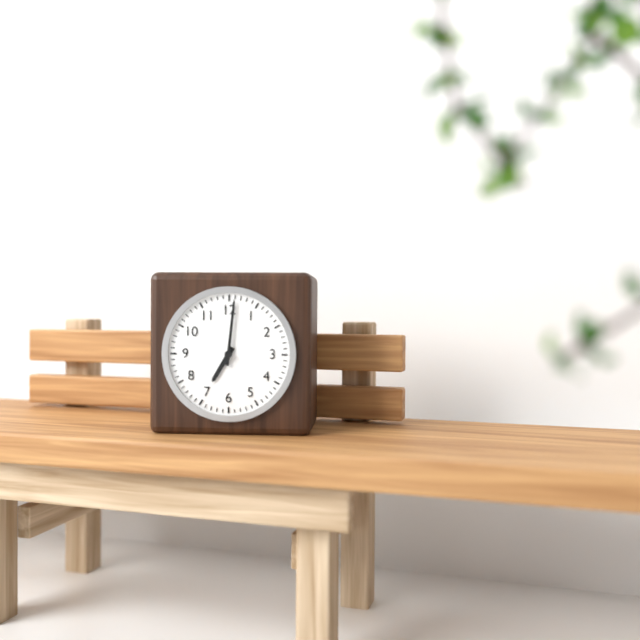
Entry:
7.01
